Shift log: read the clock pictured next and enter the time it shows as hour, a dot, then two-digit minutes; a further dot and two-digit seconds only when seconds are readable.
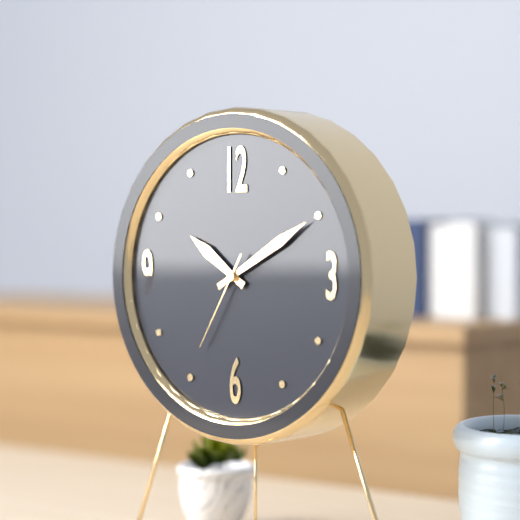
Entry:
10.10.35
